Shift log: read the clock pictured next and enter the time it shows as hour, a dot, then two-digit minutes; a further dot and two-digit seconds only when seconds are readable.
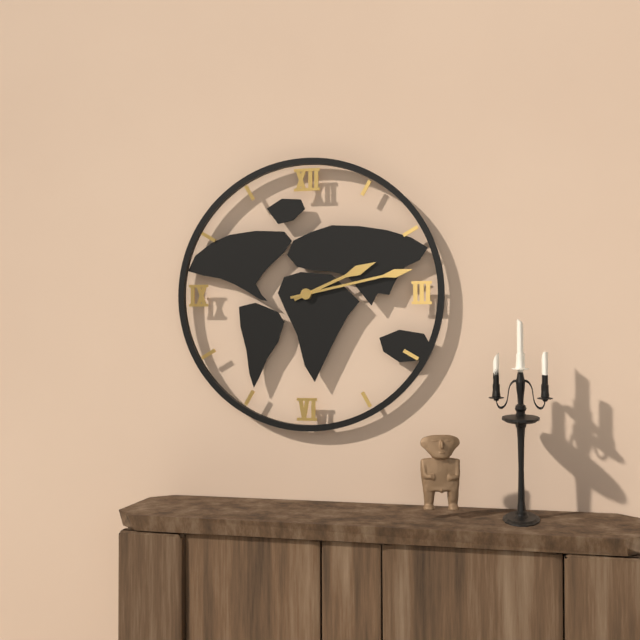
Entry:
2.13
